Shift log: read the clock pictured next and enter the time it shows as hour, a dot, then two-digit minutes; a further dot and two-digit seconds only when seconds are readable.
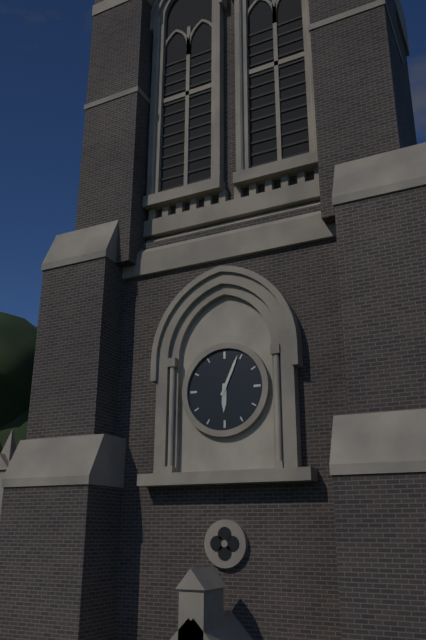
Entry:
6.04
